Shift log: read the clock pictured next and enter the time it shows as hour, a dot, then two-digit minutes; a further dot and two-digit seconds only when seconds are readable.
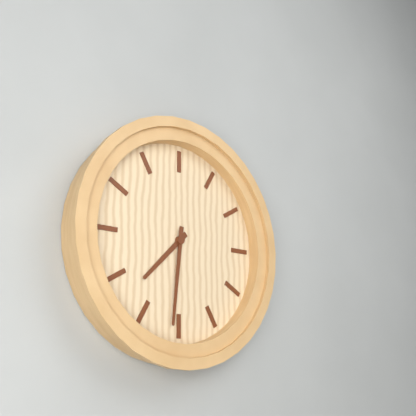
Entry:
7.31
